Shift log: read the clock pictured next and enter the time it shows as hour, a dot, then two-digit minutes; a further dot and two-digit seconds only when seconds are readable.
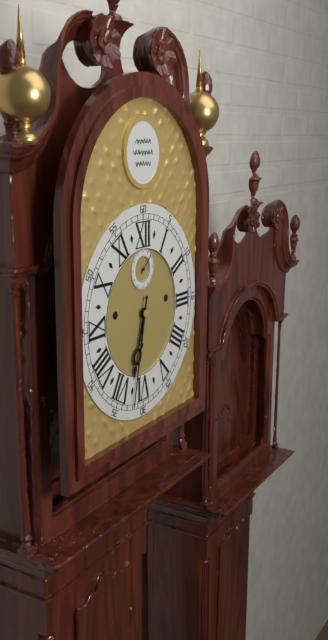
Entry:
6.32
